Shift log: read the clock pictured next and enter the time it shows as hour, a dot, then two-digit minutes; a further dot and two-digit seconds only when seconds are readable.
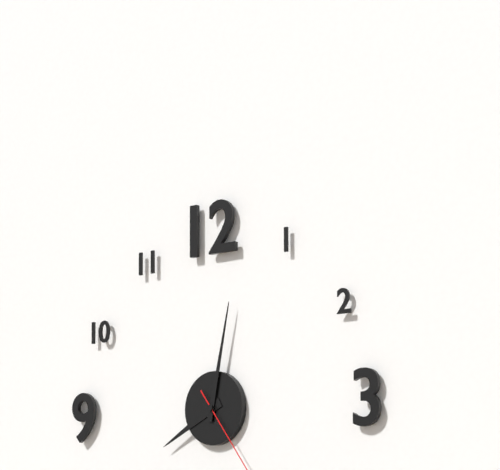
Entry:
8.02
